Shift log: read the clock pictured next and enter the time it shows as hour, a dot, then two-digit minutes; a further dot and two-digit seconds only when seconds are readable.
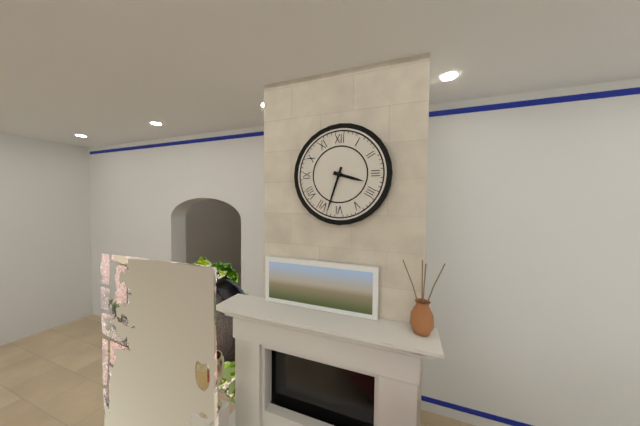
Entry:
3.33
